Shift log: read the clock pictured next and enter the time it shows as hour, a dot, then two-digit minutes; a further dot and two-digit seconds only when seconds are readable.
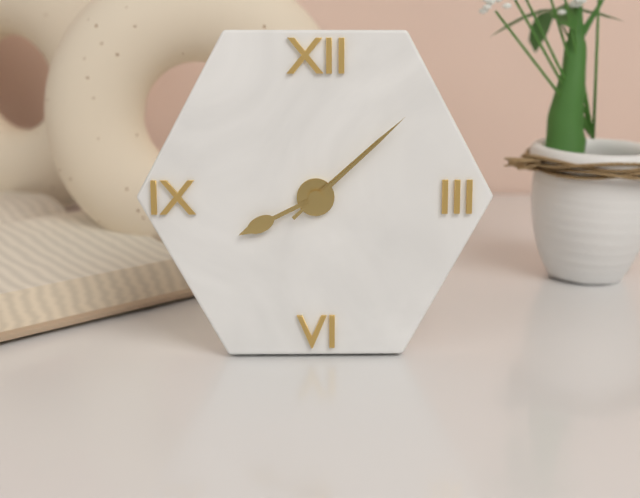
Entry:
8.08.08
